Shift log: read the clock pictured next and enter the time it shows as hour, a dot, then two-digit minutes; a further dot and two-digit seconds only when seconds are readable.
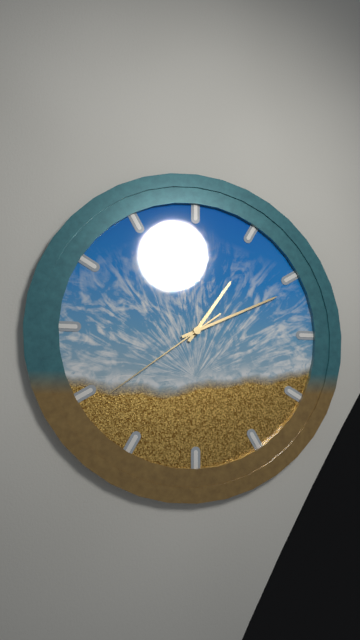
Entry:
1.11.39
